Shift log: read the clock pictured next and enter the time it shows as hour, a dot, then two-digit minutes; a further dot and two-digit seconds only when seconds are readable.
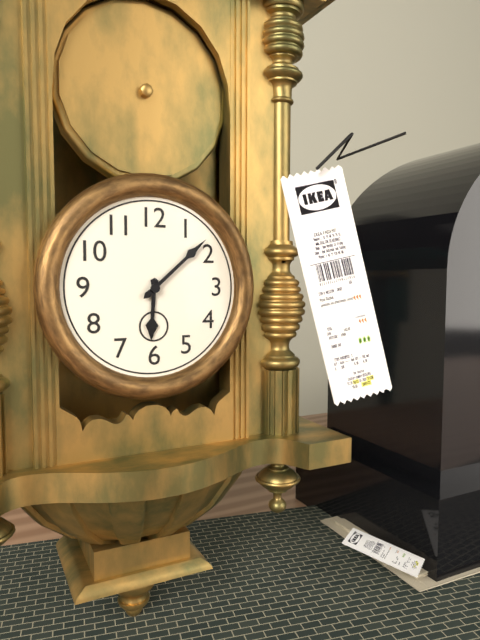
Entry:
6.08
